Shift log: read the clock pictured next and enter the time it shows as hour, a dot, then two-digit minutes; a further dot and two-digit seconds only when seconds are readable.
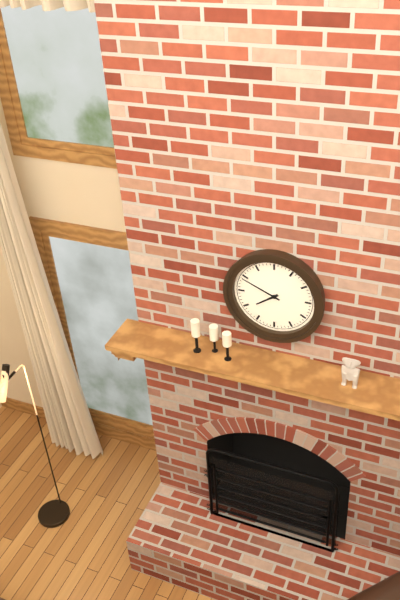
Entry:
7.49
